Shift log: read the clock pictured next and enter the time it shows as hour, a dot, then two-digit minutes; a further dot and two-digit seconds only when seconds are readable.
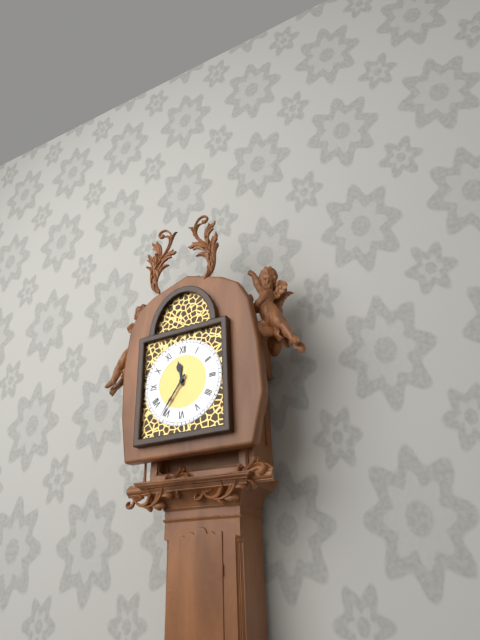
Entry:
11.36
